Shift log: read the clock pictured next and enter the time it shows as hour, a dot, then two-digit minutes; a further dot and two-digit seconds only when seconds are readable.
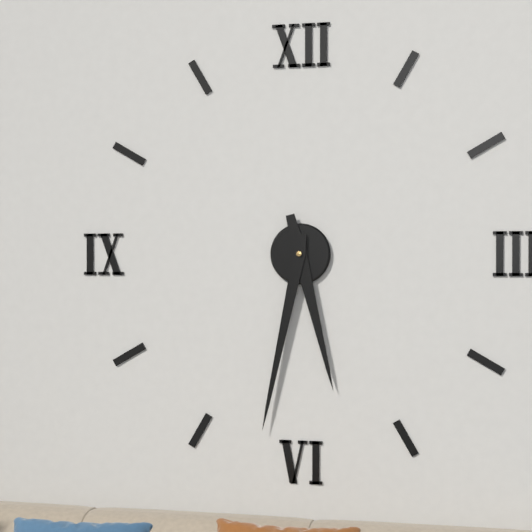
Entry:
5.32
